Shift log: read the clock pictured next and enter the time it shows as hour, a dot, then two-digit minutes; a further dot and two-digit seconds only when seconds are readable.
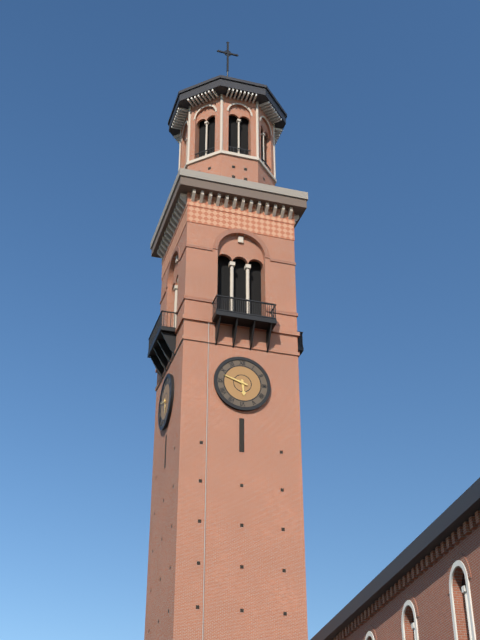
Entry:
5.48
